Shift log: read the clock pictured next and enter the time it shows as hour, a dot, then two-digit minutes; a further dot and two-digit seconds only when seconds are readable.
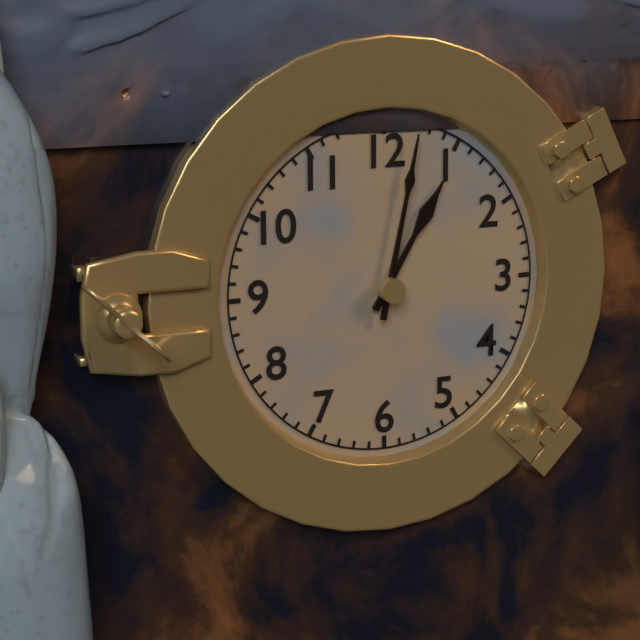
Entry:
1.02
